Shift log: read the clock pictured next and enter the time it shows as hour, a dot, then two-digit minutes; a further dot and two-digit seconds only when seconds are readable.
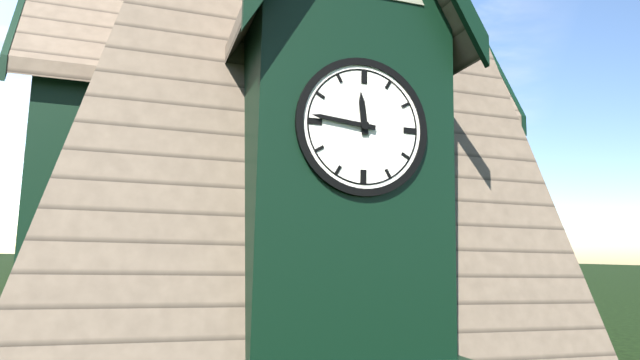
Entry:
11.46
